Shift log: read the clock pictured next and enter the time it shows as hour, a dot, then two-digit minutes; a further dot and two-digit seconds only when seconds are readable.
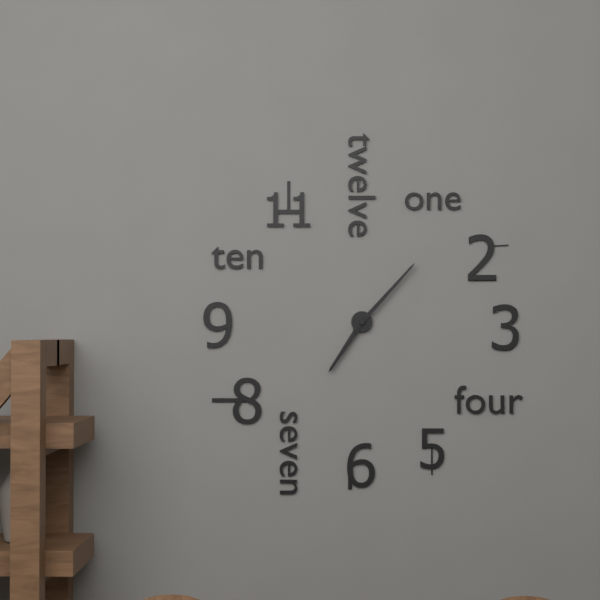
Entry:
7.07
